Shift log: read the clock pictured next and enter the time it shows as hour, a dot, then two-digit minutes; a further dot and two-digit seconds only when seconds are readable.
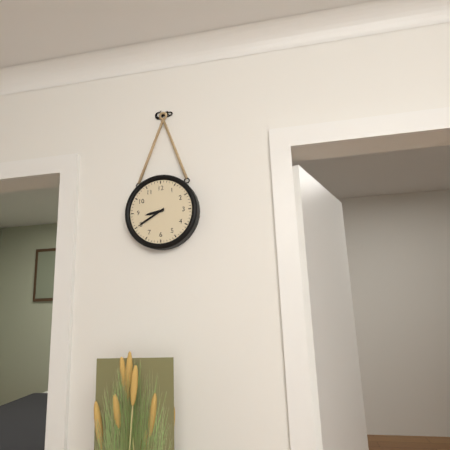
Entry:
8.40
